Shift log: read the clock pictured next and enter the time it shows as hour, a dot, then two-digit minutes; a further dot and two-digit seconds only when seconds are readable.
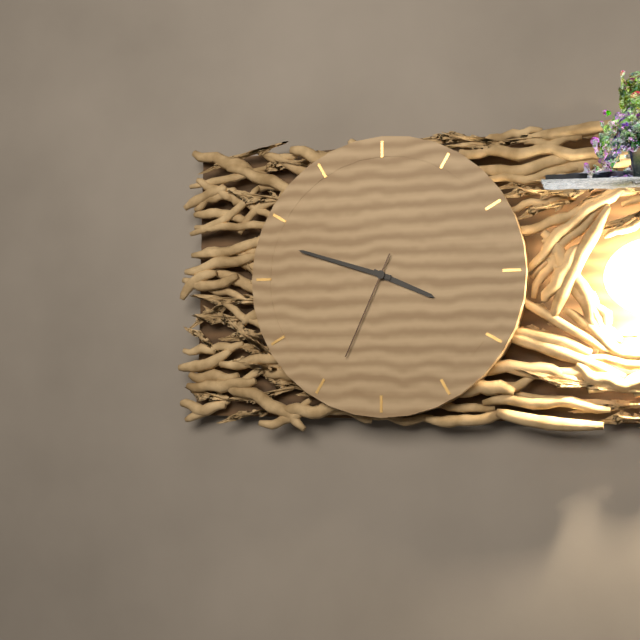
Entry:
3.48.34
